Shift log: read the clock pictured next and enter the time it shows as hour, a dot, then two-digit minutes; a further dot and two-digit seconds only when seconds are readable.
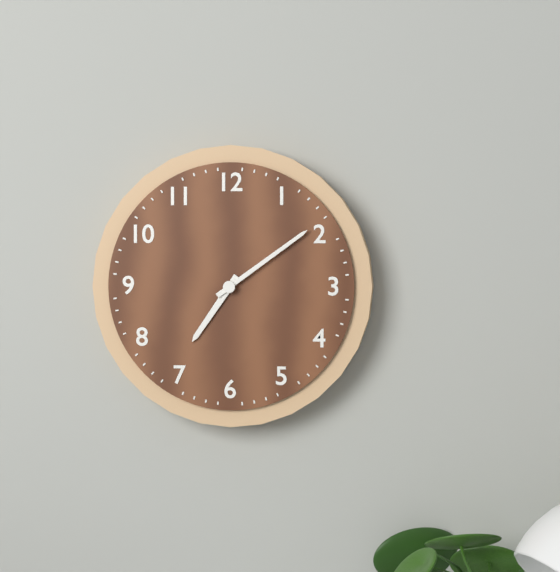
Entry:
7.09
